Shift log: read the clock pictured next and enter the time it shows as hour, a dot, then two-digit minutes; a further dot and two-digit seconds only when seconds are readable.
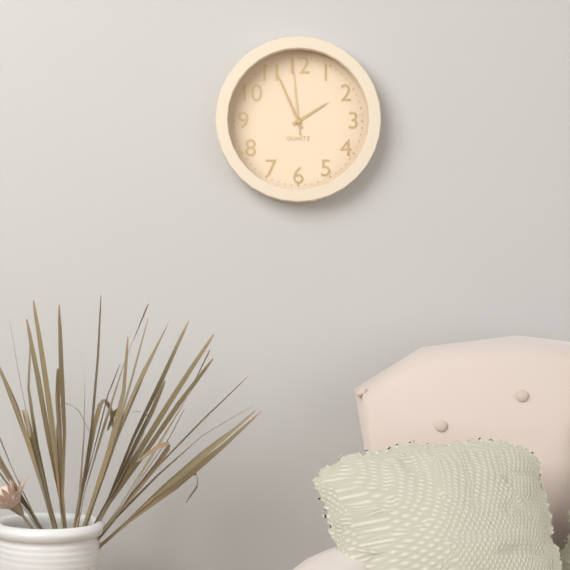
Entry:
1.56.59
